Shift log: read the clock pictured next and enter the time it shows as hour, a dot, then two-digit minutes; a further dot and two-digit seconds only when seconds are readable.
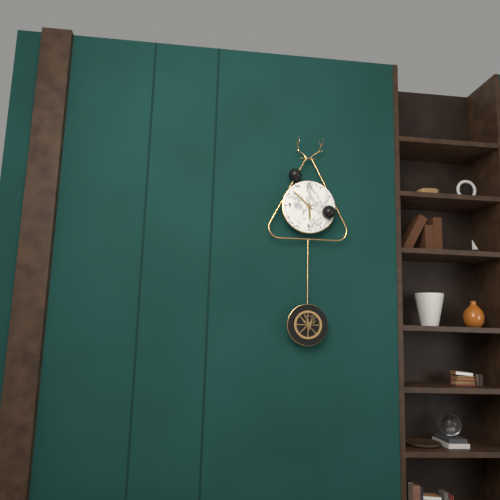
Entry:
5.52
